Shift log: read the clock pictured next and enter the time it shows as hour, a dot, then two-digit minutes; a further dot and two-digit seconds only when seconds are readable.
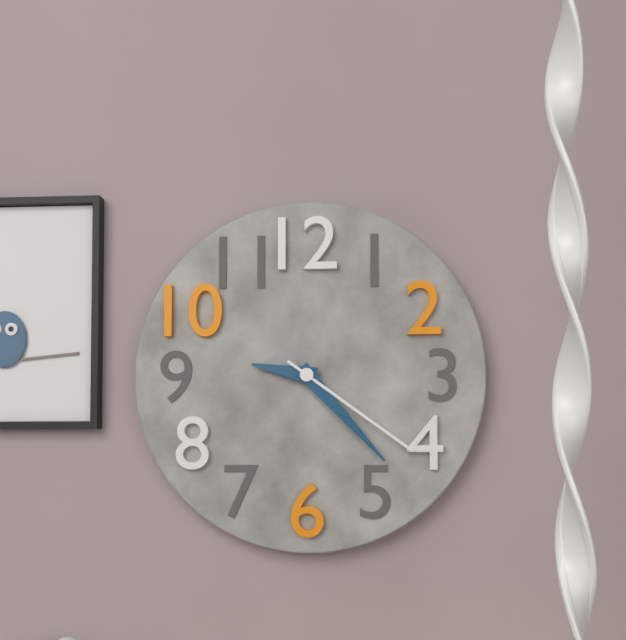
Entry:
9.23.21
